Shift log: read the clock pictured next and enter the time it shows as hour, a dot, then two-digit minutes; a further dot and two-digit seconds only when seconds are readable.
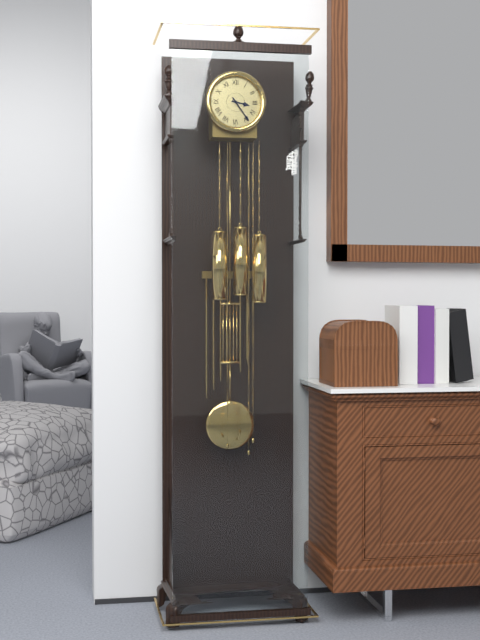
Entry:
3.24
